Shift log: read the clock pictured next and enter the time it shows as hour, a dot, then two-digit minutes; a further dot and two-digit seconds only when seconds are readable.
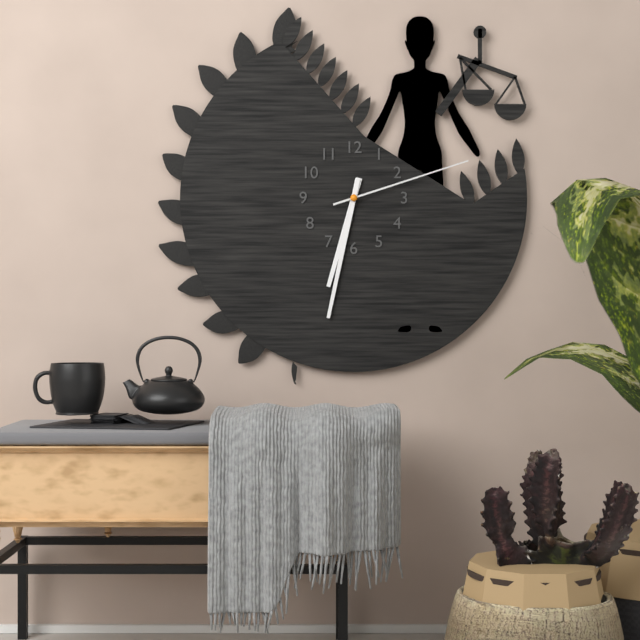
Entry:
6.32.12
